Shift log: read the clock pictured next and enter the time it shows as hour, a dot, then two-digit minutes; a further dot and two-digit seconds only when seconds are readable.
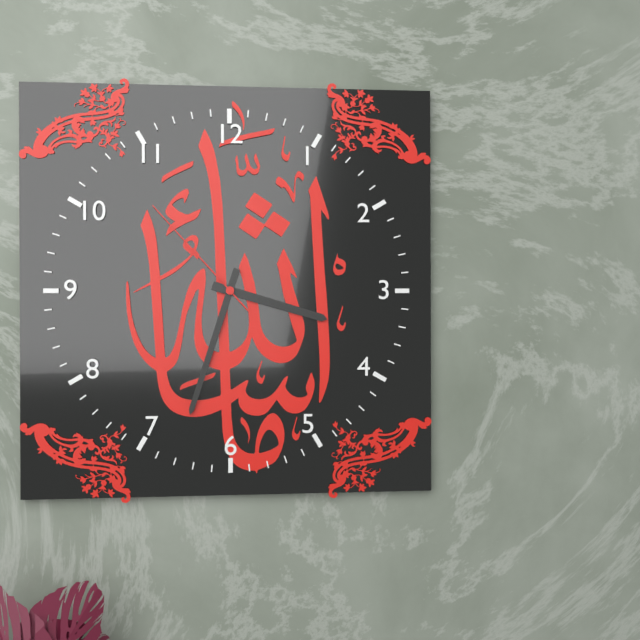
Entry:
3.33.53
